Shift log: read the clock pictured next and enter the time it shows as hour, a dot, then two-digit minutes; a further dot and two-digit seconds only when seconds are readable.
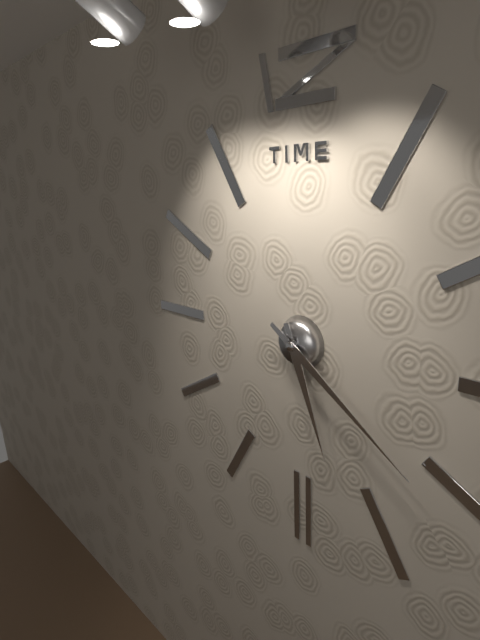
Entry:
5.21
